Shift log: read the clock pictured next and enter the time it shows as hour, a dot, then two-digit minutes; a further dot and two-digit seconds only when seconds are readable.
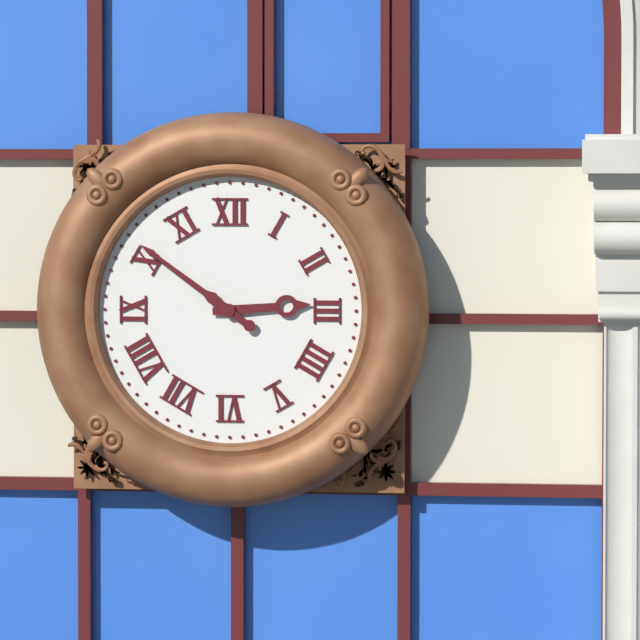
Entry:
2.51
